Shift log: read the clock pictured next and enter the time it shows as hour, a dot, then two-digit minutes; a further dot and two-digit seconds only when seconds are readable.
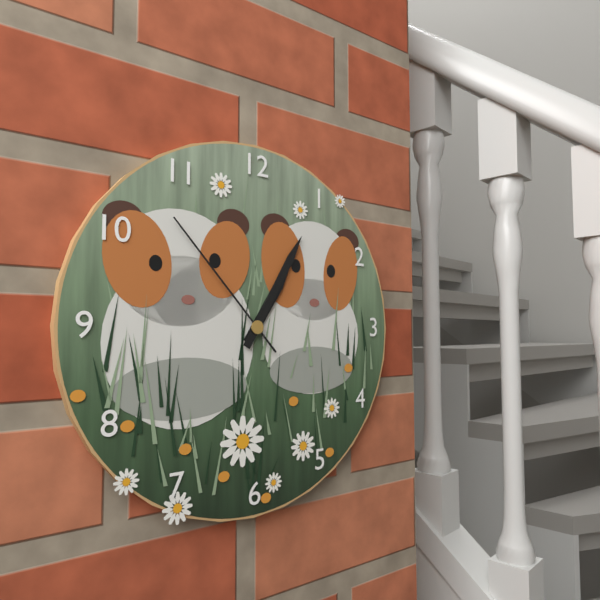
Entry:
1.05.53
